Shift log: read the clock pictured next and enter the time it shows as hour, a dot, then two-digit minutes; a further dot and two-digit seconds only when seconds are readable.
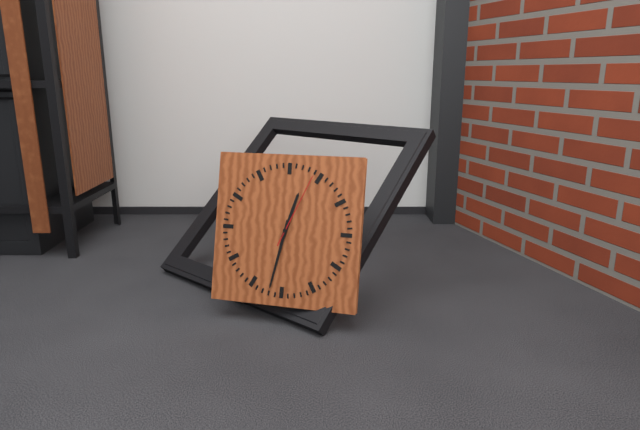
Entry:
12.32.04
